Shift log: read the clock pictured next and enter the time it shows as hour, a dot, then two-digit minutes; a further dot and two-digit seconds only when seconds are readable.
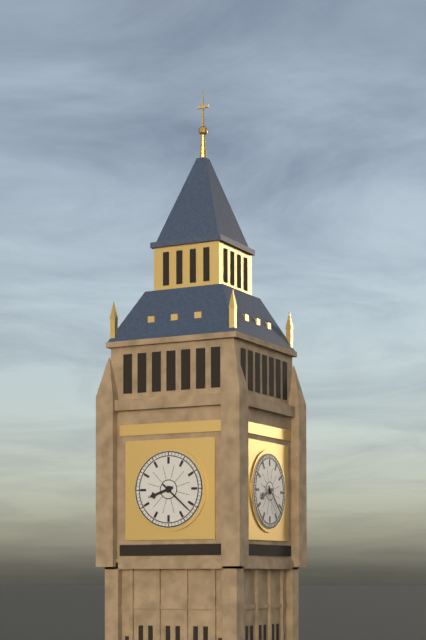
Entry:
8.22
